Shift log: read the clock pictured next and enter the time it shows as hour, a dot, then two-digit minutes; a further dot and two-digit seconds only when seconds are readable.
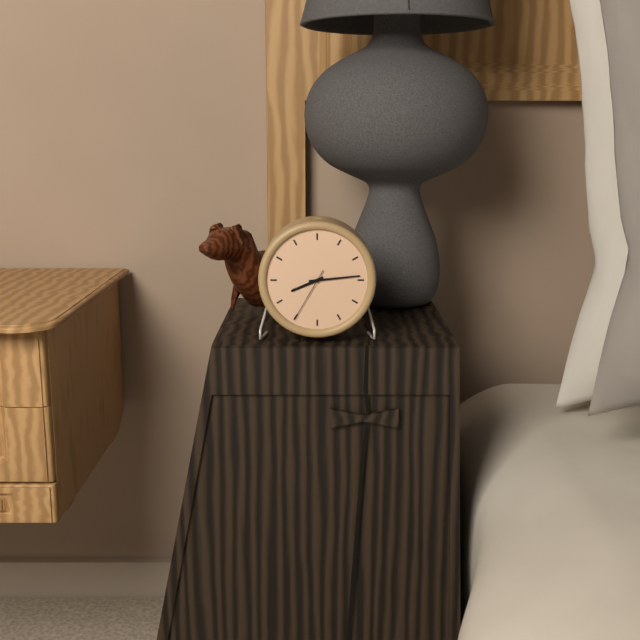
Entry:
8.14.35
